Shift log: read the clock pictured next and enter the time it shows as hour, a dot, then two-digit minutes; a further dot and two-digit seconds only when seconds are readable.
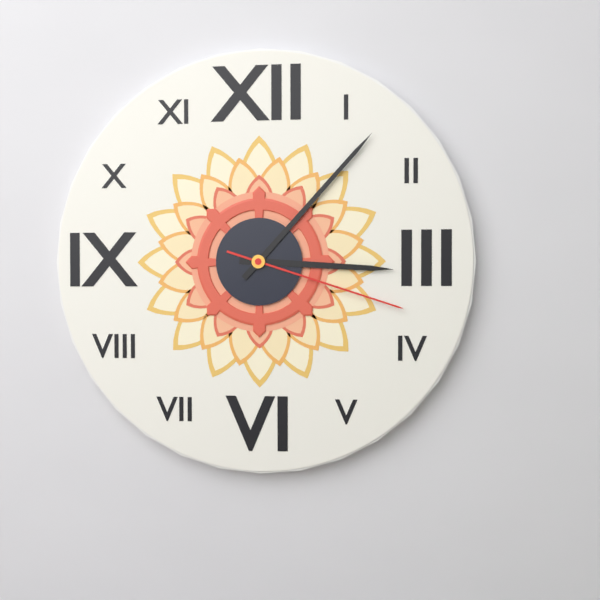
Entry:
3.07.18
